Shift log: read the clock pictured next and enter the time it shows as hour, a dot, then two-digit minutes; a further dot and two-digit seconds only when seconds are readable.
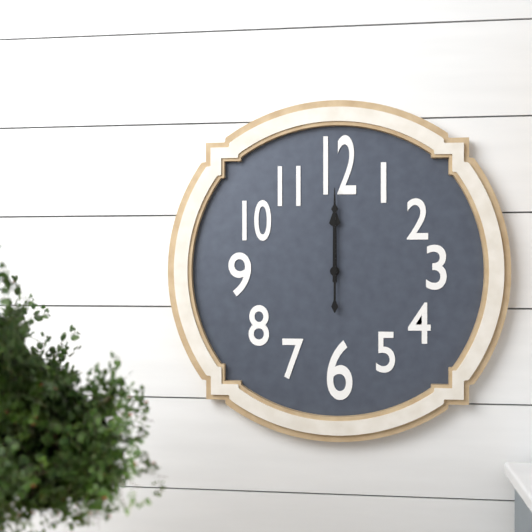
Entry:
12.00
